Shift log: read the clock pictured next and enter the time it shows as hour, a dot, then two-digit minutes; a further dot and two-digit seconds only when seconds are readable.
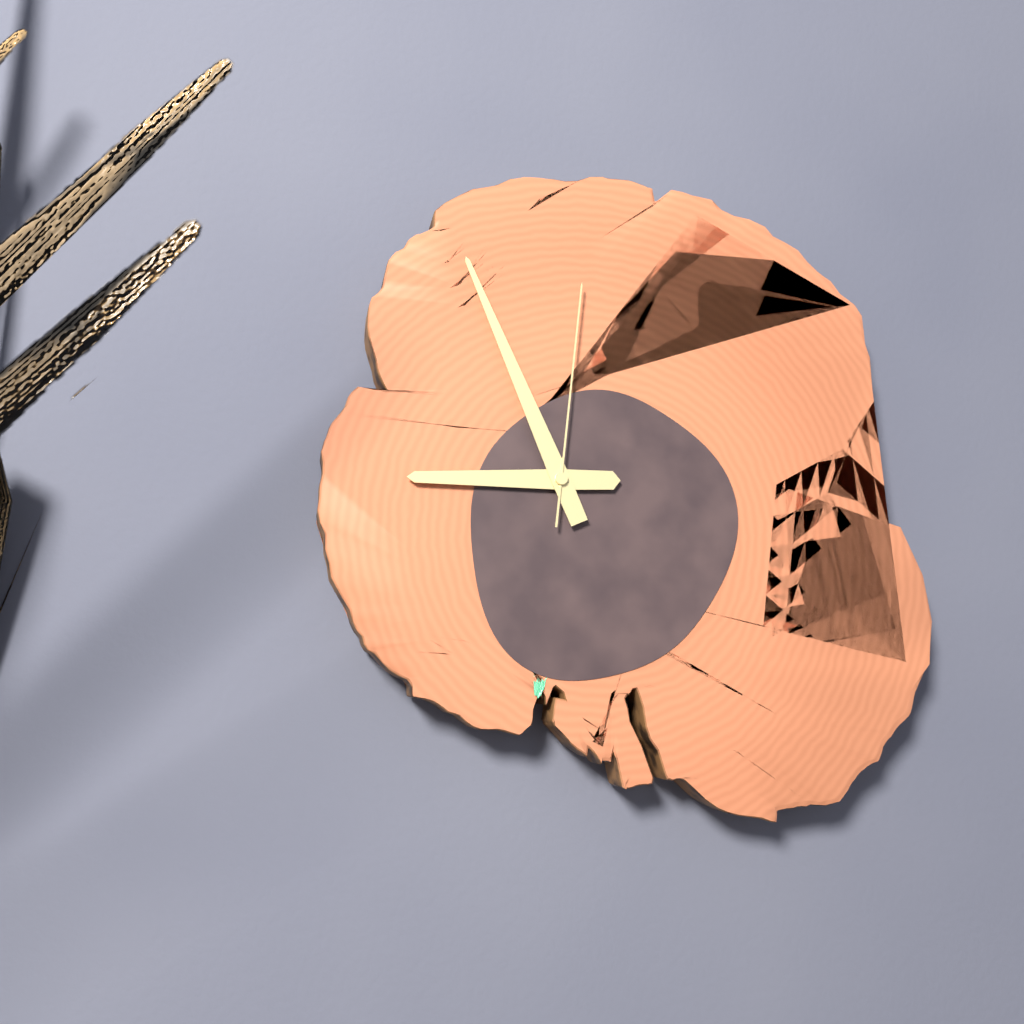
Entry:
8.56.01
